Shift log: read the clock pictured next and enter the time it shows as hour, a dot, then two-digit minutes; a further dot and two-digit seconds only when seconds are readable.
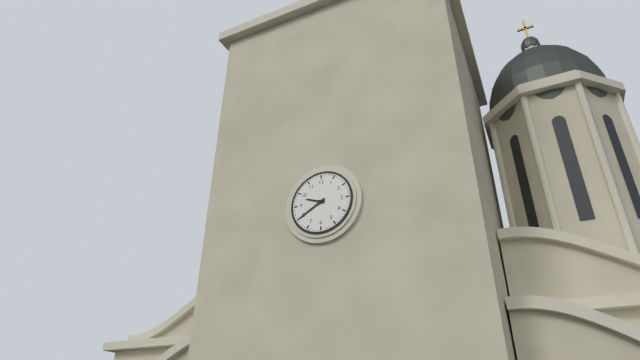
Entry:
9.40
